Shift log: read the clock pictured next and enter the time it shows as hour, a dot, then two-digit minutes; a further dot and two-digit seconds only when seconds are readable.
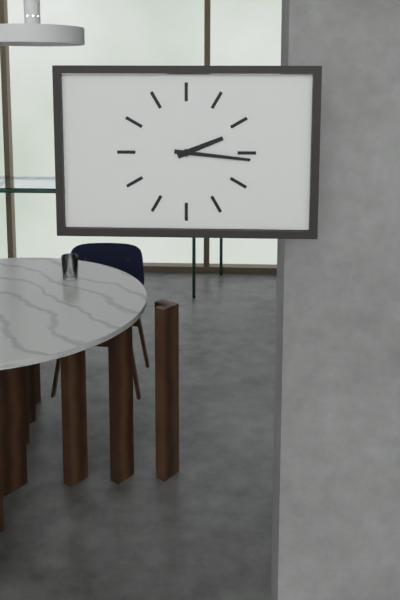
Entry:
2.16
